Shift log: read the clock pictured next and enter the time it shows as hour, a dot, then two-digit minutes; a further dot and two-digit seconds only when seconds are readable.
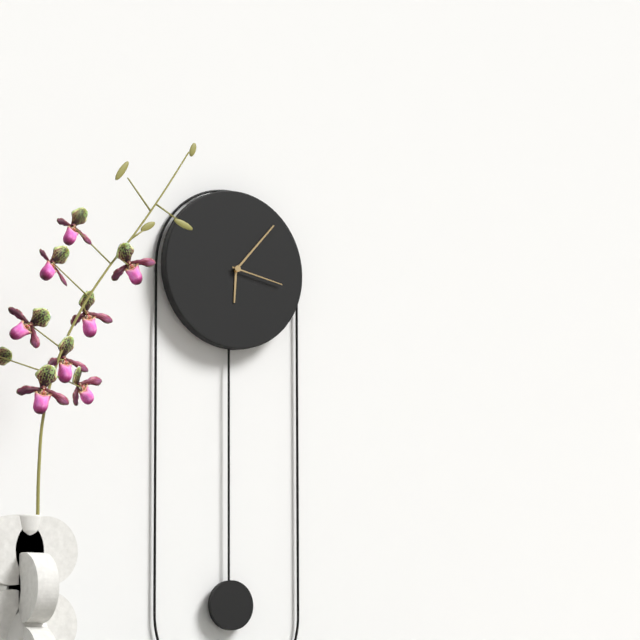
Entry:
6.07.17
